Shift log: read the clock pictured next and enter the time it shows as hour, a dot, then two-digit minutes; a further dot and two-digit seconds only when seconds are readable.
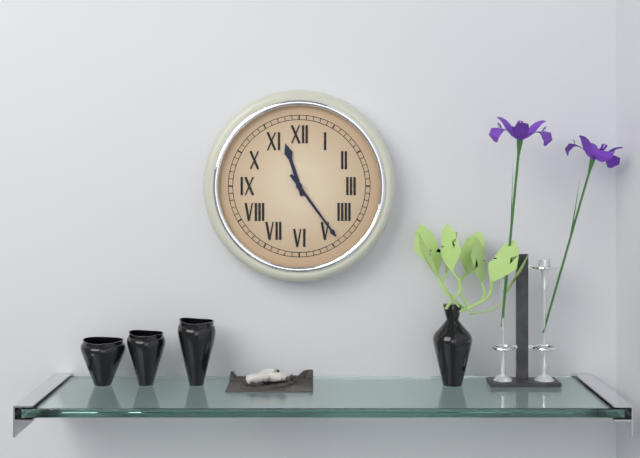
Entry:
11.24
